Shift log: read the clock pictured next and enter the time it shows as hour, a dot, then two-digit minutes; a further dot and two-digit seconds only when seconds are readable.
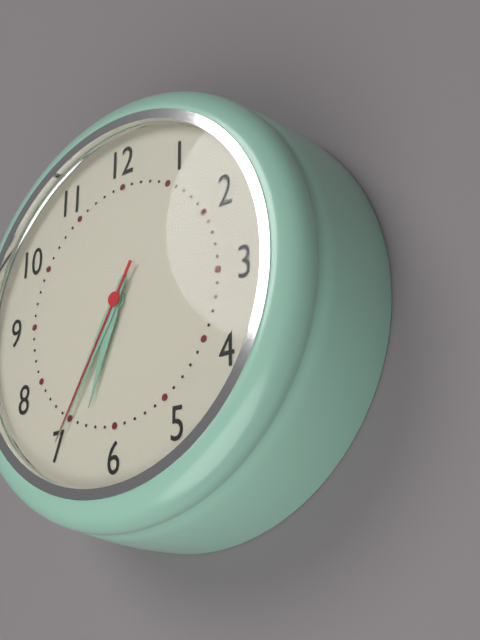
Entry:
6.35.35
